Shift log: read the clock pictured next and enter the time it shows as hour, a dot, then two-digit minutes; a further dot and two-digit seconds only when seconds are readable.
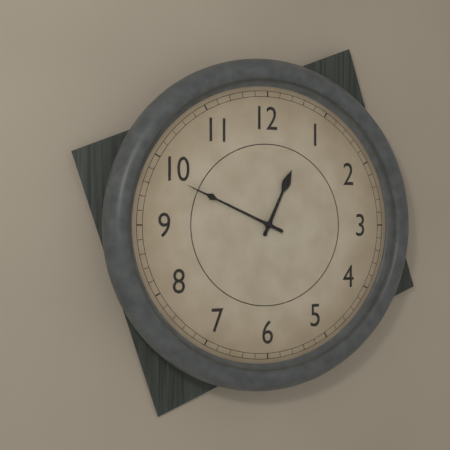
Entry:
12.49
